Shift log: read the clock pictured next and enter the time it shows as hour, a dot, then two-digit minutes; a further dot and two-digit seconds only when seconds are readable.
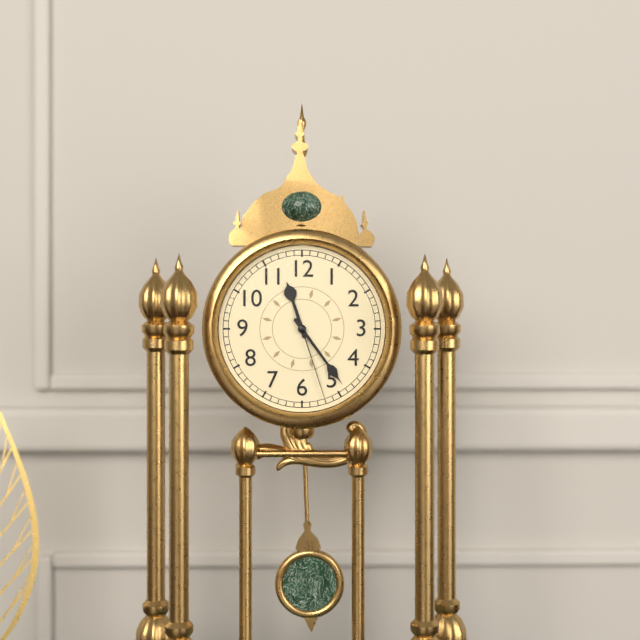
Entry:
11.24.27
